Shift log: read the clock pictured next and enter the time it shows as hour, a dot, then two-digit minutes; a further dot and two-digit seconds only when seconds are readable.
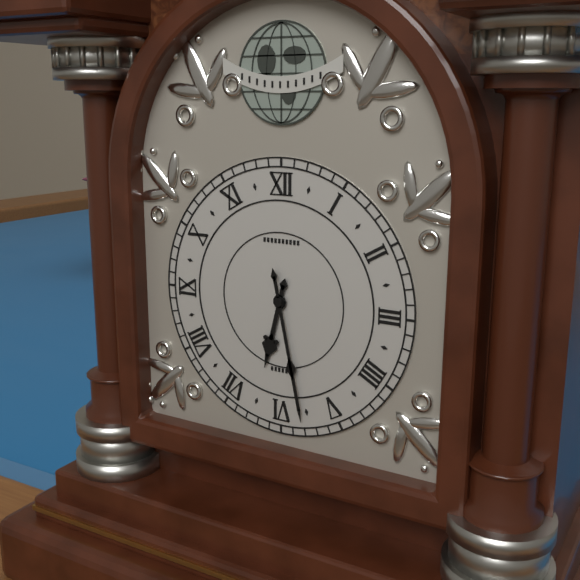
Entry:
6.28
